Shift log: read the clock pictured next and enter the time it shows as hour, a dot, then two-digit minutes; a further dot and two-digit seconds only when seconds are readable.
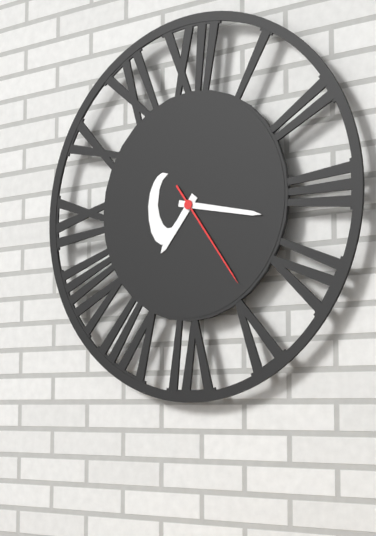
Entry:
7.17.24
